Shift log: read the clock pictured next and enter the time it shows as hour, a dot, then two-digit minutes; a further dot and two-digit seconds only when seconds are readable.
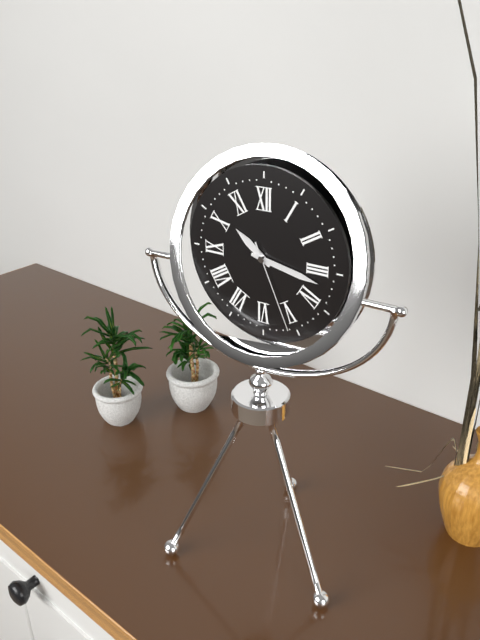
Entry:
10.17.26
